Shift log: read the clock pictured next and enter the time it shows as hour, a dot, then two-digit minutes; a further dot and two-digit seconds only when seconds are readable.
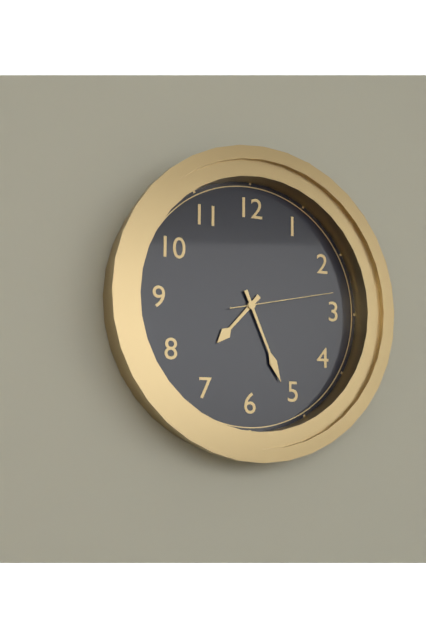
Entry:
7.26.13
